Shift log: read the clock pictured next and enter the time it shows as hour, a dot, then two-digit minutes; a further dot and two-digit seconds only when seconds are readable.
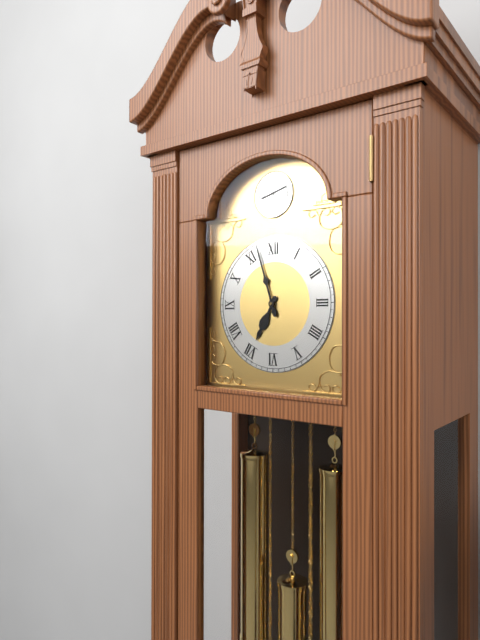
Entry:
6.57
